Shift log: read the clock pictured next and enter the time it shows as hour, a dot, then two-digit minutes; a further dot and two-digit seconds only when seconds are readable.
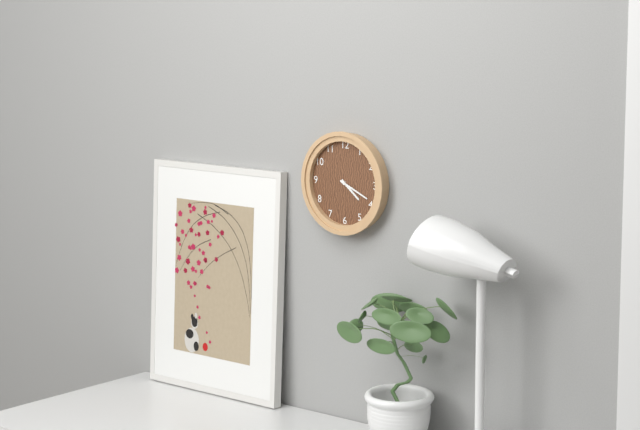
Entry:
4.19
